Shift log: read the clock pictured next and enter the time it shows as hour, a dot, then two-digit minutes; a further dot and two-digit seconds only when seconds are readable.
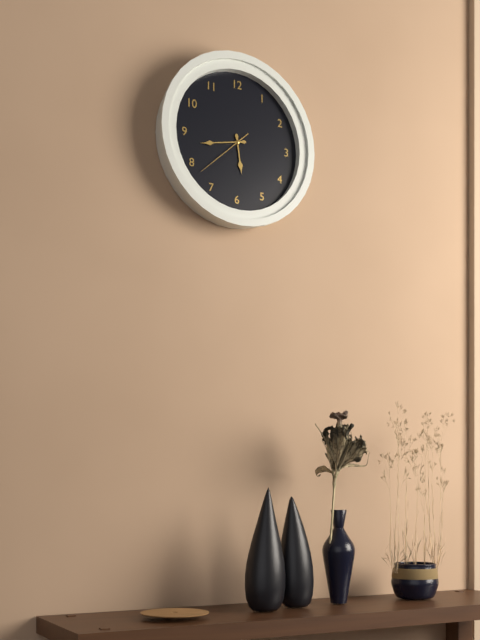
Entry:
5.43.38
